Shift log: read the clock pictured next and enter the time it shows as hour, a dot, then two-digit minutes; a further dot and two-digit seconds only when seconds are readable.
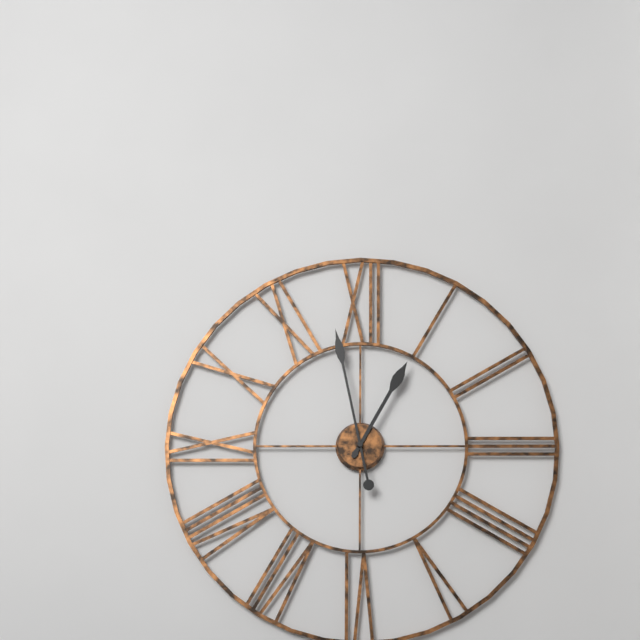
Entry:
12.58
